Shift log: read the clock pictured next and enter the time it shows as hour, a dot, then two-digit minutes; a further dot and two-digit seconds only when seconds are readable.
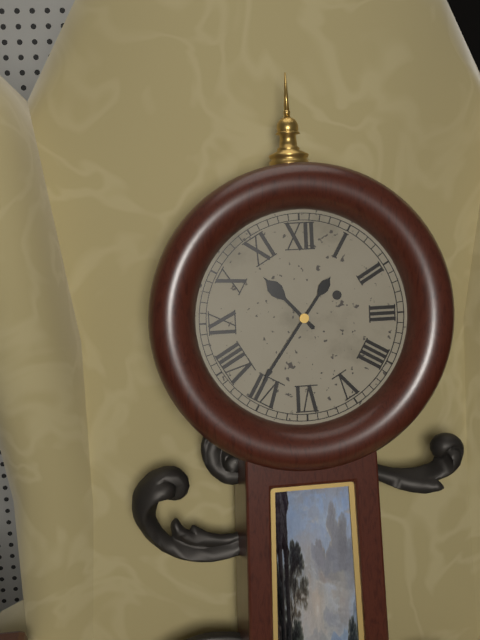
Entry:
10.36
